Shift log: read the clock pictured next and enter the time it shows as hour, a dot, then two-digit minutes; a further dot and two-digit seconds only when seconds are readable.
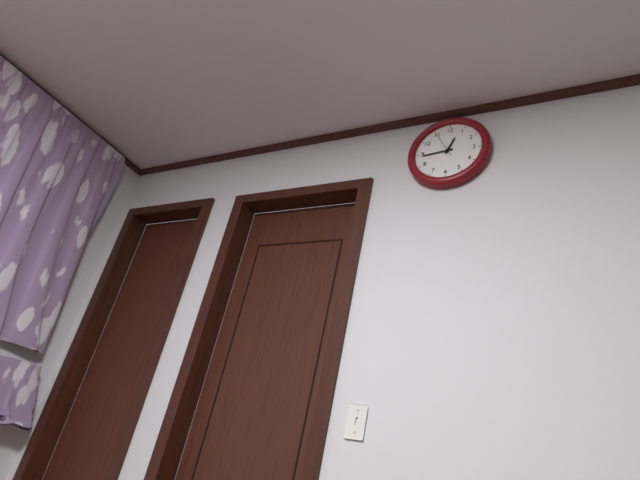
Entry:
12.44
